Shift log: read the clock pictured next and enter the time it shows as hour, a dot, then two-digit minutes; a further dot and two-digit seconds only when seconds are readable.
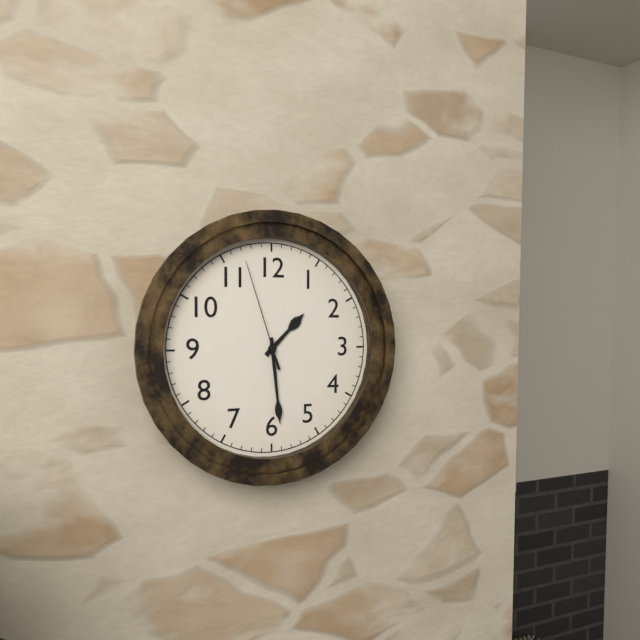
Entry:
1.29.57
